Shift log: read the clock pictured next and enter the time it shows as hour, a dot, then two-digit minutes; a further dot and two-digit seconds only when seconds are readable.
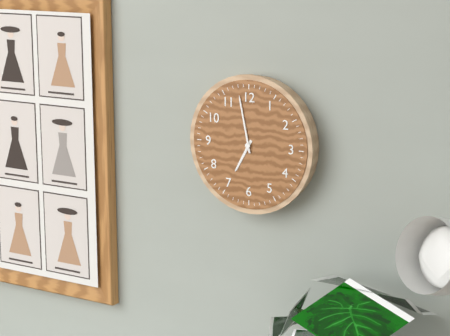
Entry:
6.58
